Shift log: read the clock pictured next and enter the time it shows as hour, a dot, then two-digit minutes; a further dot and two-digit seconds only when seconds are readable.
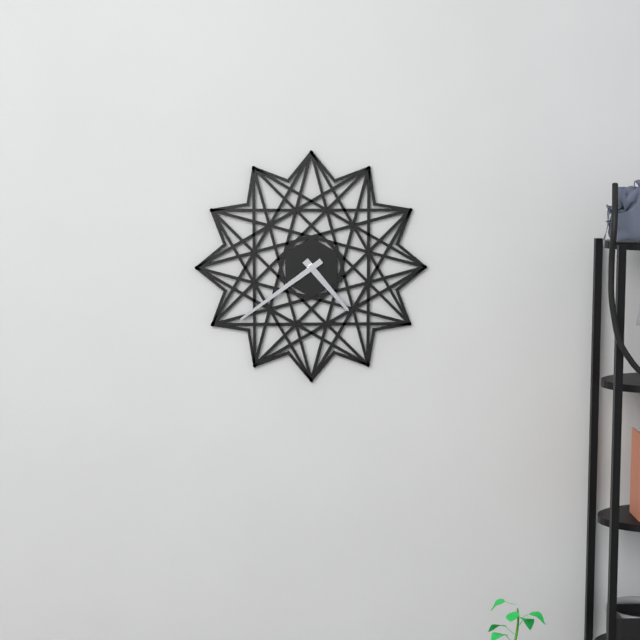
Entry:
4.39
